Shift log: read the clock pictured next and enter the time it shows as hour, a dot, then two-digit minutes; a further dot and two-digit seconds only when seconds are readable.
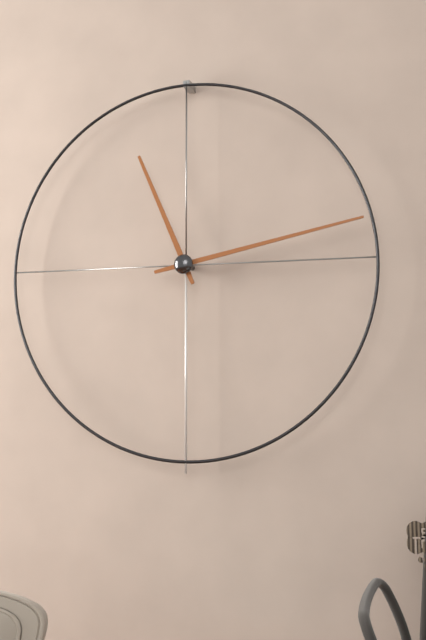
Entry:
11.13
